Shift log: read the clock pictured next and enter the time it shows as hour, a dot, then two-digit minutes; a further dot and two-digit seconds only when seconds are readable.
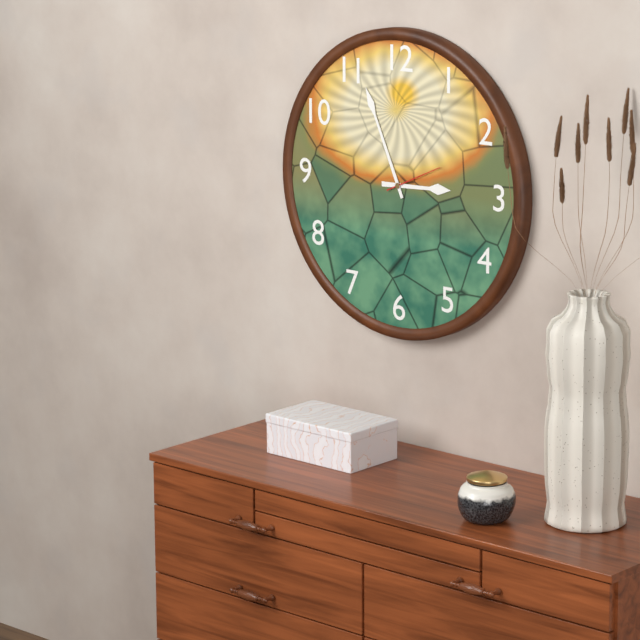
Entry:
2.56
